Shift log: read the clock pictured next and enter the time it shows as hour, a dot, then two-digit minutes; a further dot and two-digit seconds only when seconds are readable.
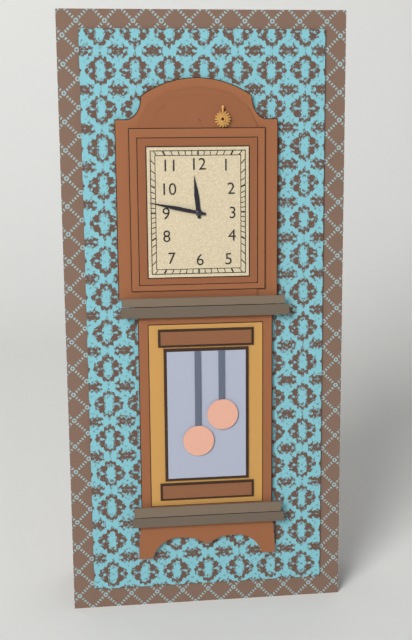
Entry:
11.47
